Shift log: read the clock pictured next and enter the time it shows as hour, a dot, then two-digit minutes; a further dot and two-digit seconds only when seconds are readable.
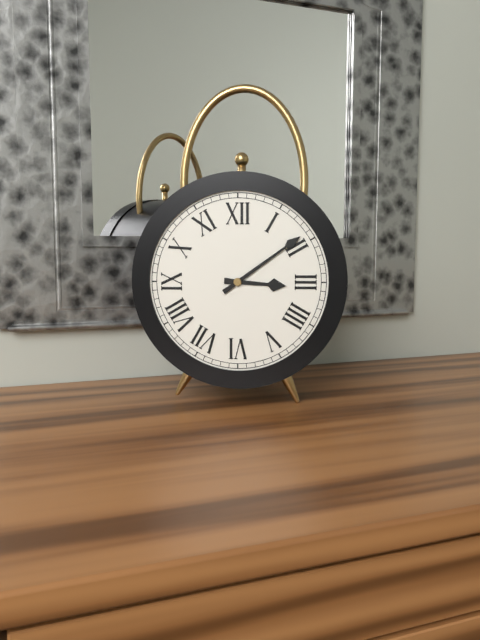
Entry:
3.09
